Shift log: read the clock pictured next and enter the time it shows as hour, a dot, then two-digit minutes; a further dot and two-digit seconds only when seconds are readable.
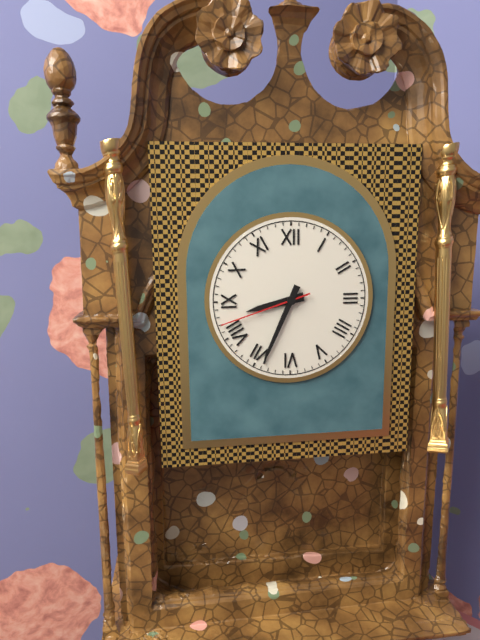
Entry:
8.34.42
